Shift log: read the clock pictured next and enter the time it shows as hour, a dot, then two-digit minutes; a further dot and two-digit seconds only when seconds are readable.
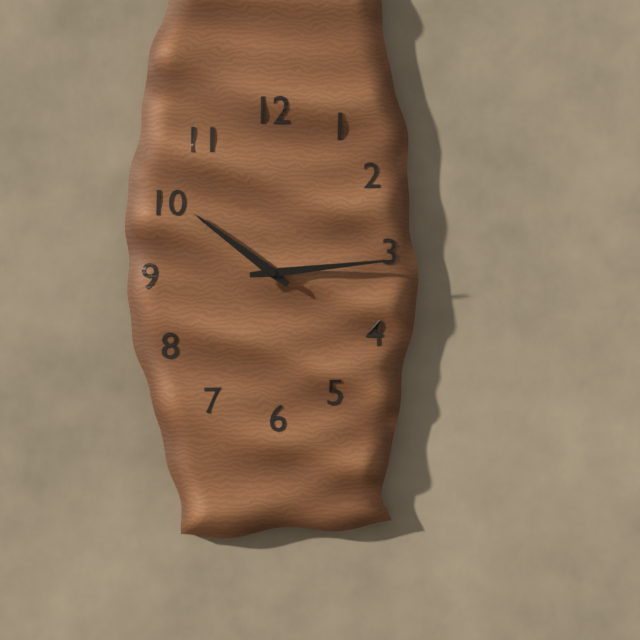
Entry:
10.14
